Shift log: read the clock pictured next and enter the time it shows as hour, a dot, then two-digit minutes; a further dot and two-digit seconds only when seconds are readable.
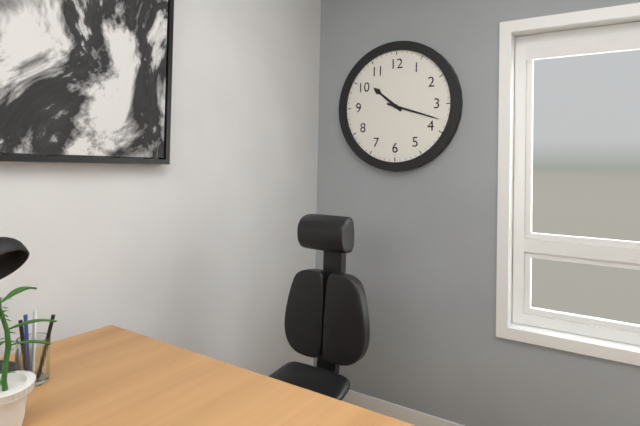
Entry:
10.18
